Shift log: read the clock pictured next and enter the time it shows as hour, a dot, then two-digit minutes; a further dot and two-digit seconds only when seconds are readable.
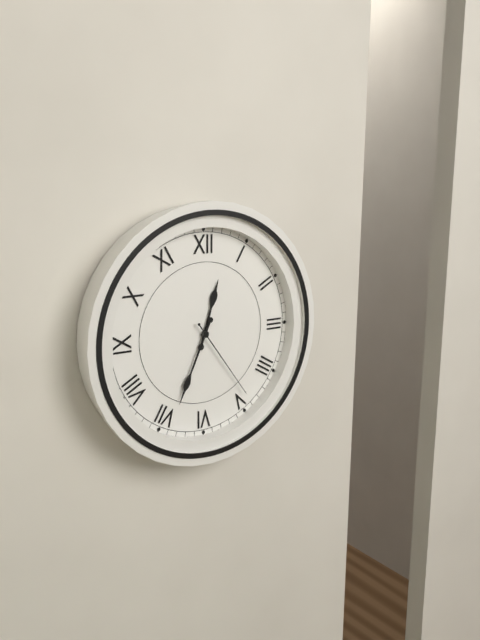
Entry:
12.34.24
